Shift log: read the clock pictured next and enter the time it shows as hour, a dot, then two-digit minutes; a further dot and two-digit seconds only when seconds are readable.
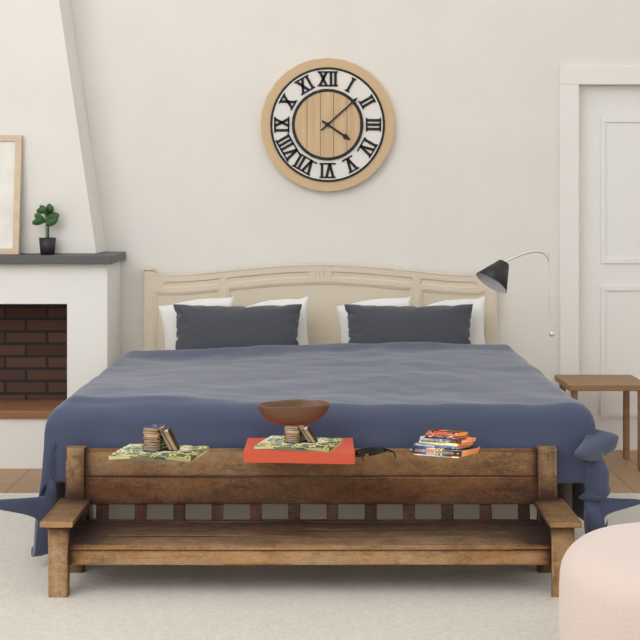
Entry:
4.08
